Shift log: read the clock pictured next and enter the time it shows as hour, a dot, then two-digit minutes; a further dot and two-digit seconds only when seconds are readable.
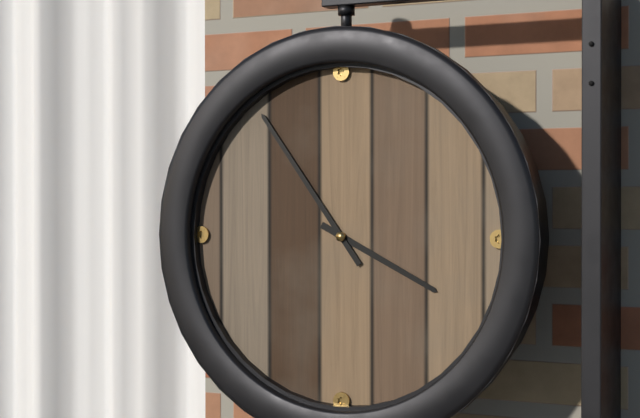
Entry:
3.54
